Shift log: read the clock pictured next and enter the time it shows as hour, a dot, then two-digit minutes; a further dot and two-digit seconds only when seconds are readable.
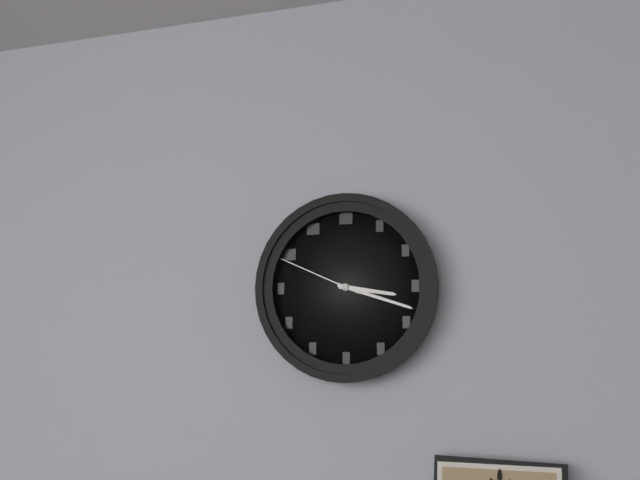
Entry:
3.18.49
